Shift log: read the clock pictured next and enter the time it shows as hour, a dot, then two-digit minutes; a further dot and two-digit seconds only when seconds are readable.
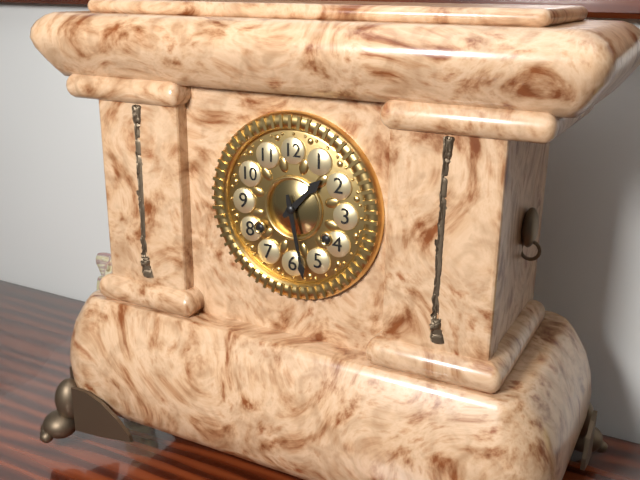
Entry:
1.28
